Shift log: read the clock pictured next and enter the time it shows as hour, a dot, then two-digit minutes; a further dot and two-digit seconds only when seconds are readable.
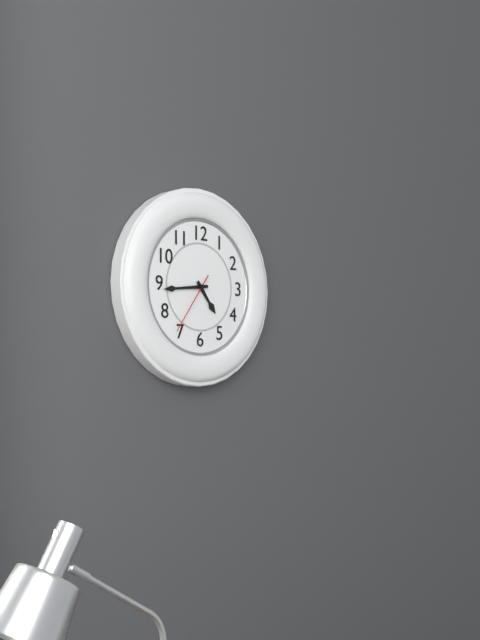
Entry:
4.44.36
